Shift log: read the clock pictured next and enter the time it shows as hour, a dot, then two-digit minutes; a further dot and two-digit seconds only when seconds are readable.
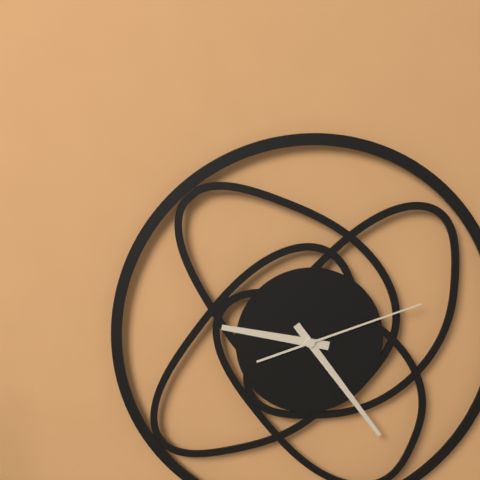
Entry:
9.24.12
